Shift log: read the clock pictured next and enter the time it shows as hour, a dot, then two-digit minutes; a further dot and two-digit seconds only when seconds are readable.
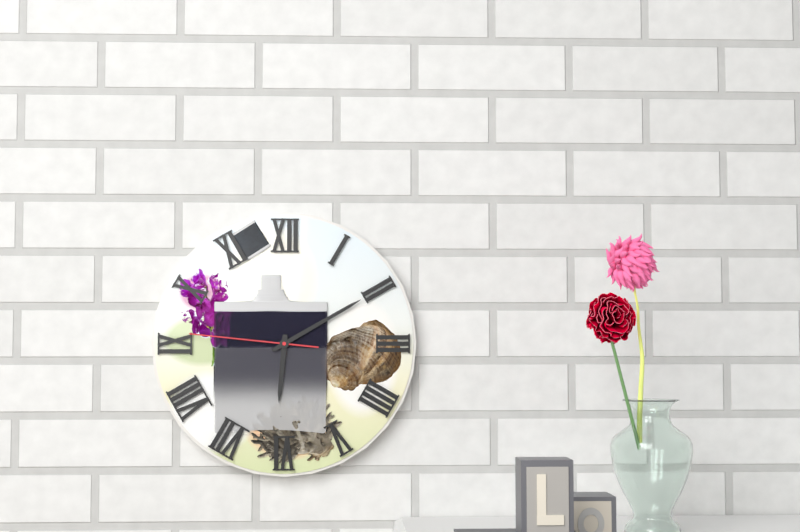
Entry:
6.10.46
